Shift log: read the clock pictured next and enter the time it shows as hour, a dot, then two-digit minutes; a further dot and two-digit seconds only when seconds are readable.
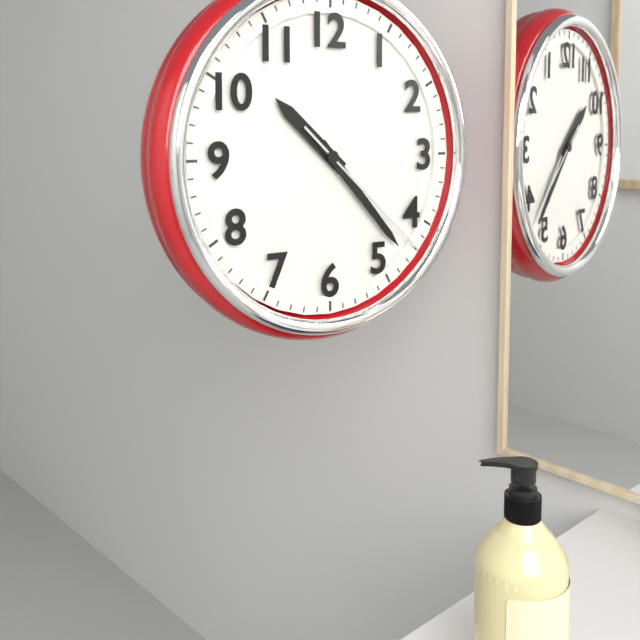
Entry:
10.23.22
